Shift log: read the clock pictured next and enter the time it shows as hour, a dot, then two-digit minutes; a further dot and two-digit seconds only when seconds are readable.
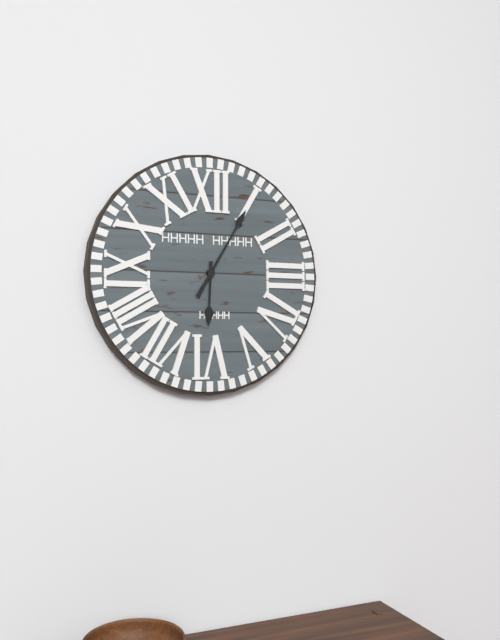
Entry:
6.05
